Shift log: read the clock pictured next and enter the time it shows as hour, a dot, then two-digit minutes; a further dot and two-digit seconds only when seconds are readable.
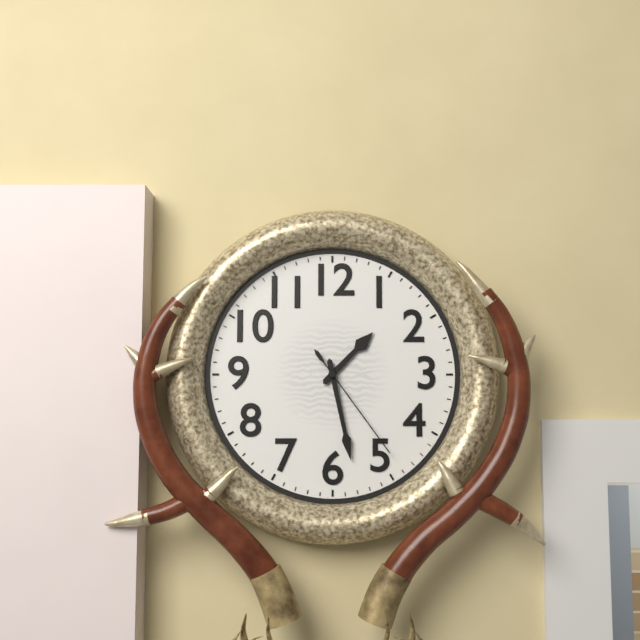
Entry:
1.28.24
